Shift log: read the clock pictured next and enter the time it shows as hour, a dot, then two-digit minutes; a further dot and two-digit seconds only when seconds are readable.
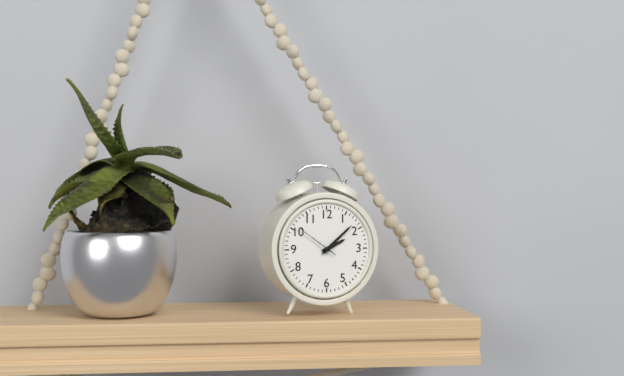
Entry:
2.08
